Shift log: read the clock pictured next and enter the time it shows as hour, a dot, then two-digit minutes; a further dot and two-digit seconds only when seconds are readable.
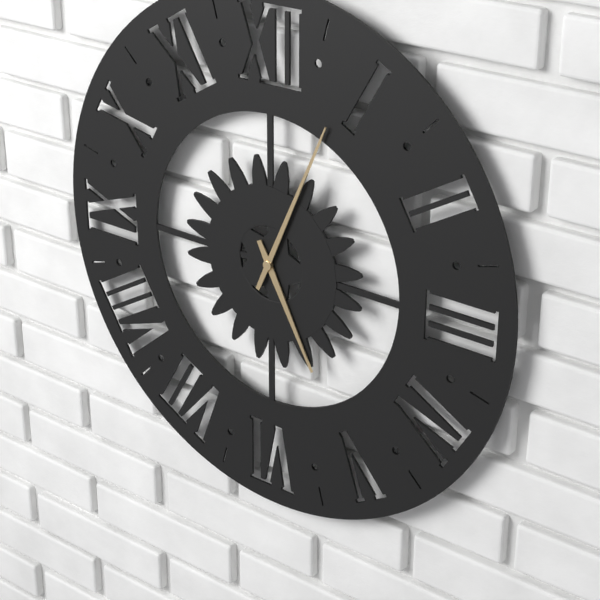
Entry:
5.04
